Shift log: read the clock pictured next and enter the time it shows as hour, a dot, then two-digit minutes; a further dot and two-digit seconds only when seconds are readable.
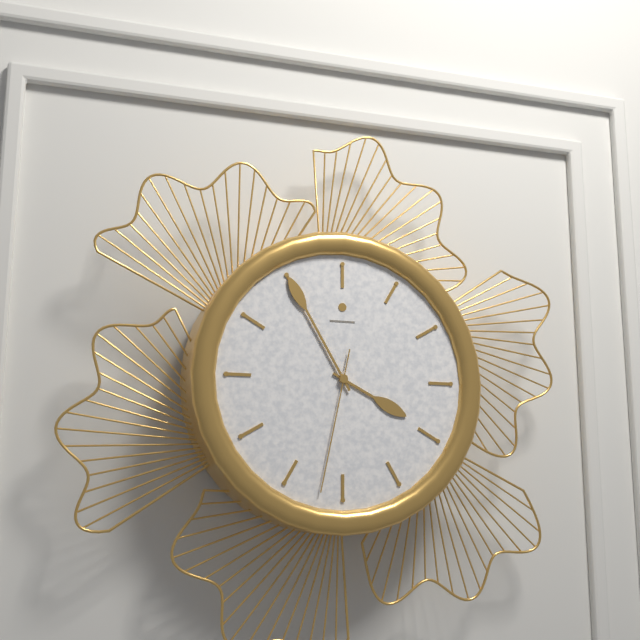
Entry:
3.55.32
